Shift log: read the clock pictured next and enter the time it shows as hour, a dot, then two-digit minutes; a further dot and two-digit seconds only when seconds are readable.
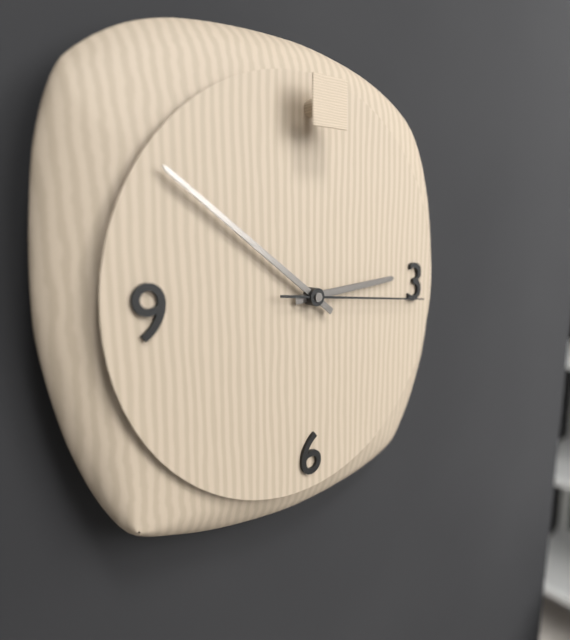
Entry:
2.51.16
